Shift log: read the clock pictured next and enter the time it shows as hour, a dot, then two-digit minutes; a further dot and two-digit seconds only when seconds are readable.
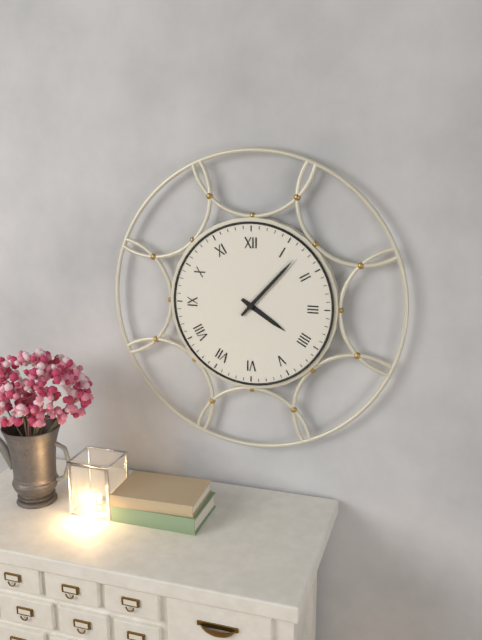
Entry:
4.07
